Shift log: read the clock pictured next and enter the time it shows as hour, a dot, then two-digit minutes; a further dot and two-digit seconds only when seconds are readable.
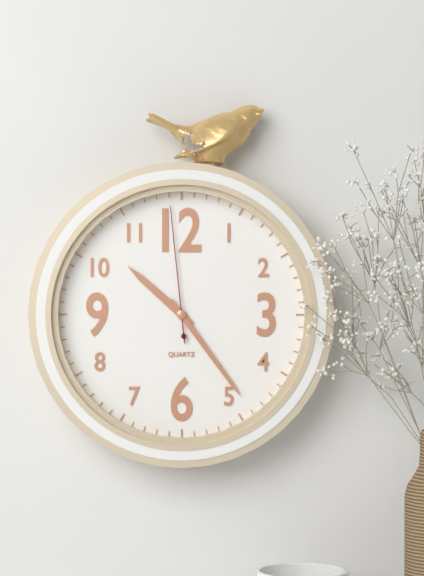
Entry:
10.24.59
